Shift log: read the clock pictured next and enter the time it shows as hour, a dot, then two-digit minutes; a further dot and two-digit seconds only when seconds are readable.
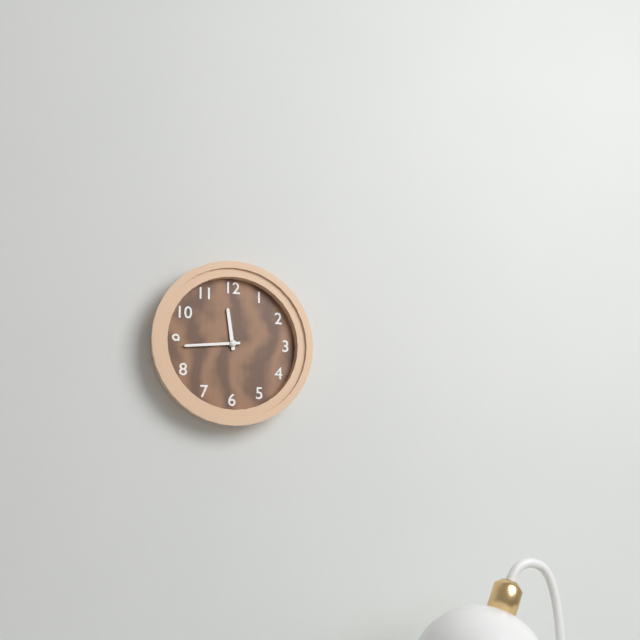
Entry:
11.44
